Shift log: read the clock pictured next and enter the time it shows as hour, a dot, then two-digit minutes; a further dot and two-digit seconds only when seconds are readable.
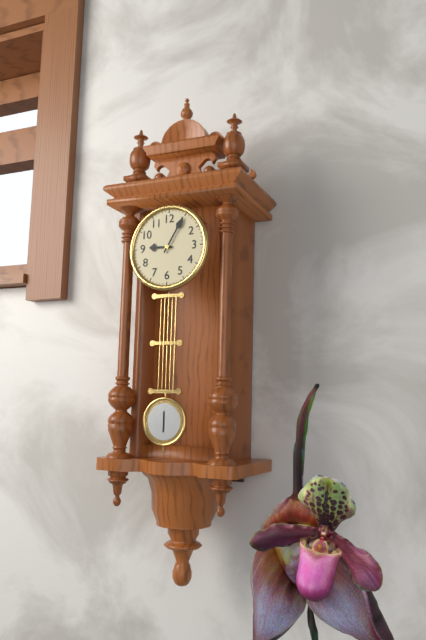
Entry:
9.05
